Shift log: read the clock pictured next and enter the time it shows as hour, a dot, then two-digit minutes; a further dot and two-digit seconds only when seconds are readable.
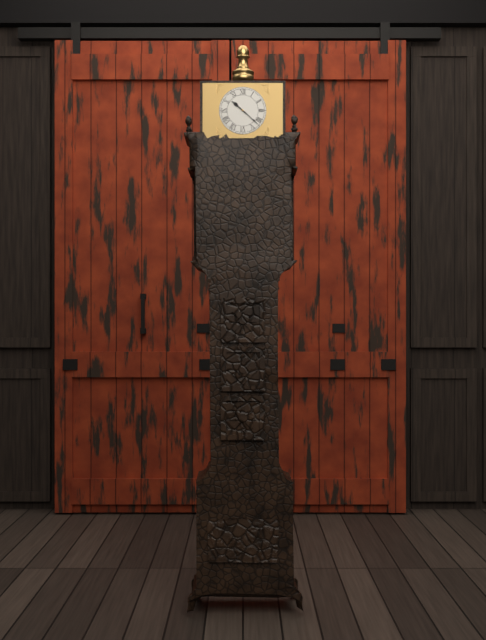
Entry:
10.22
